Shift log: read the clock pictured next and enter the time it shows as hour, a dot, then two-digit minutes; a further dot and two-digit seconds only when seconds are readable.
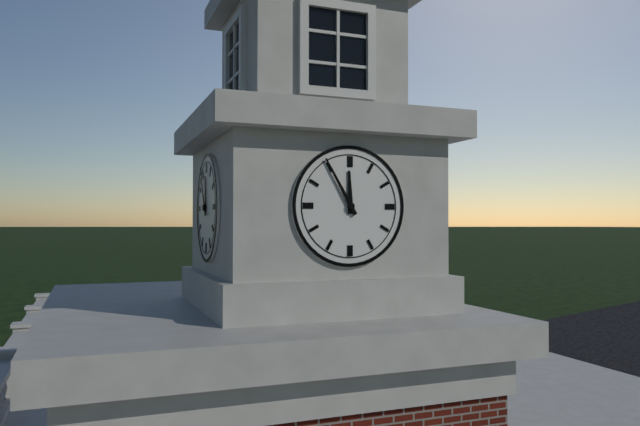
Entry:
11.55
